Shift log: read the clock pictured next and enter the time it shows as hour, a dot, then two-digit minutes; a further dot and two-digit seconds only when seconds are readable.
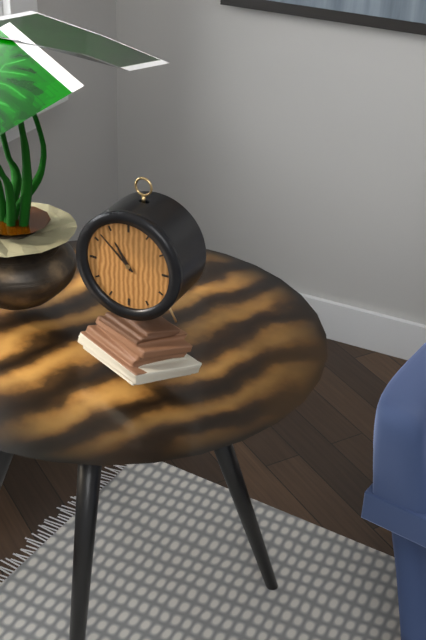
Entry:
10.52
